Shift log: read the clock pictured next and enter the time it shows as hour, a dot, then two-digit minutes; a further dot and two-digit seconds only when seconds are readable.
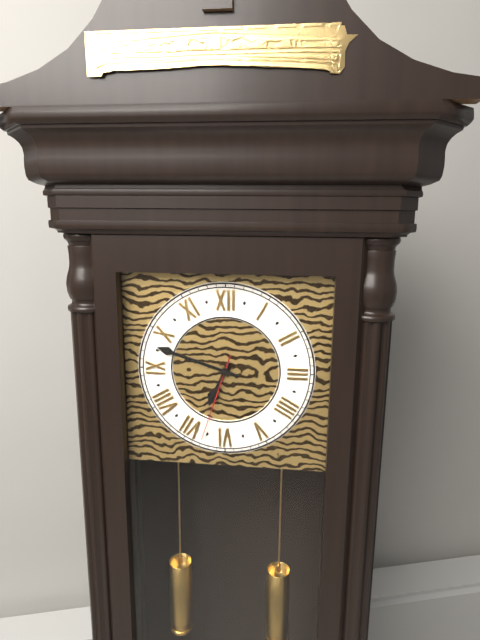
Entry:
6.48.33
